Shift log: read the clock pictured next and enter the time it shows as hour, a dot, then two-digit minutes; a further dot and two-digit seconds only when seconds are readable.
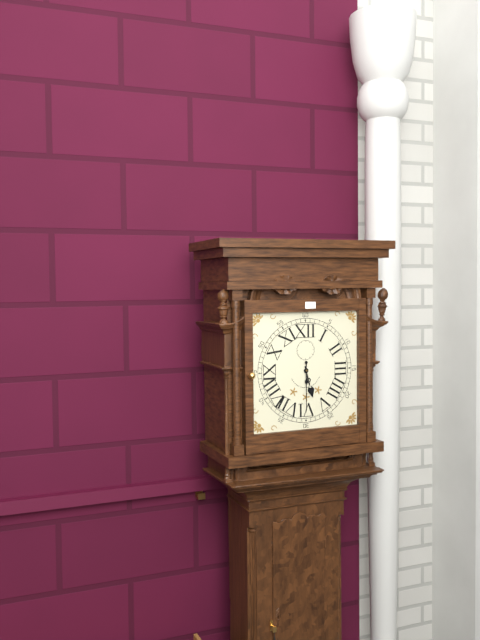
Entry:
5.30
